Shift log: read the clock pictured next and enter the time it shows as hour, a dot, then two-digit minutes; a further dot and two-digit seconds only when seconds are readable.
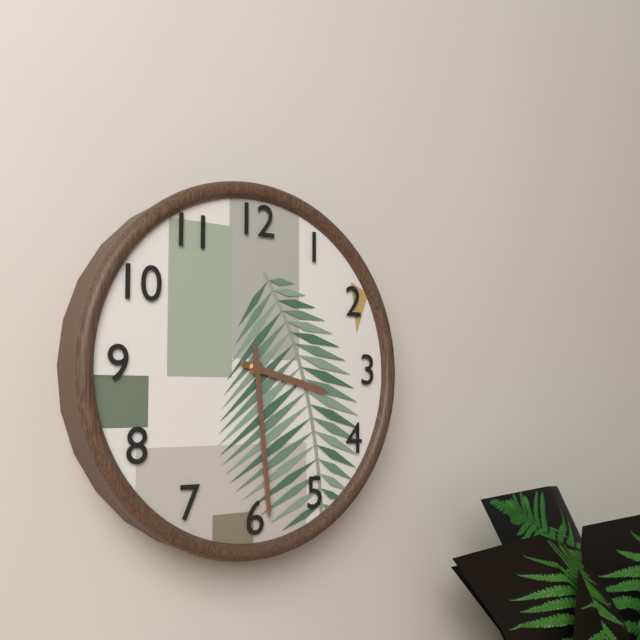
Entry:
3.29
